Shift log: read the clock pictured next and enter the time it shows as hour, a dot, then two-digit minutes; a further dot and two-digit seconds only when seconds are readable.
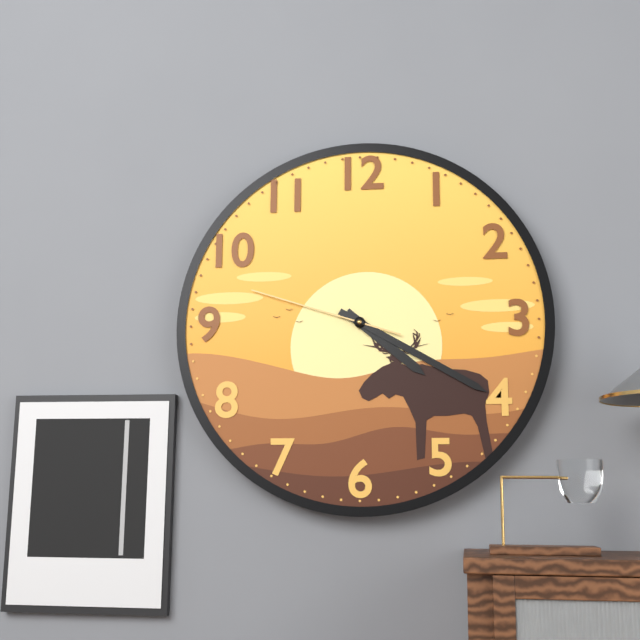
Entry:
4.20.48
